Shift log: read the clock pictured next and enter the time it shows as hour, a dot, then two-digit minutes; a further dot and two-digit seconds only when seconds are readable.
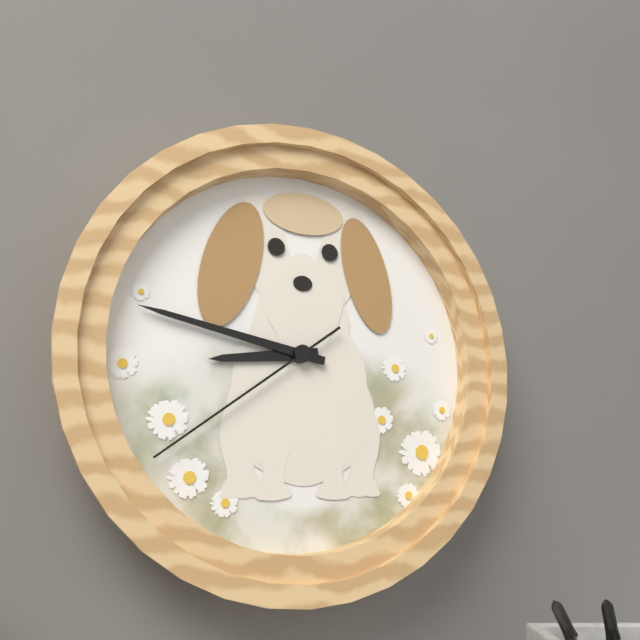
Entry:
8.47.39
